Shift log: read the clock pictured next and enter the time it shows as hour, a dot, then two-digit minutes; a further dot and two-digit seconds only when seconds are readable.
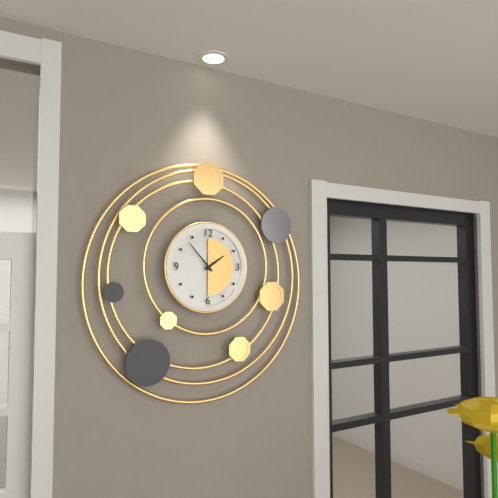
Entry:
1.53
